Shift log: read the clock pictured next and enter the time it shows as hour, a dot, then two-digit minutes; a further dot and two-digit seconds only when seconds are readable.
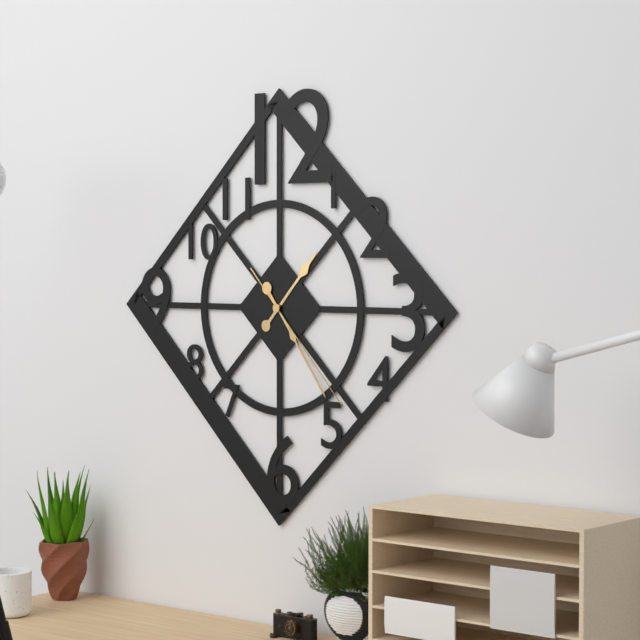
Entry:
1.24.23
